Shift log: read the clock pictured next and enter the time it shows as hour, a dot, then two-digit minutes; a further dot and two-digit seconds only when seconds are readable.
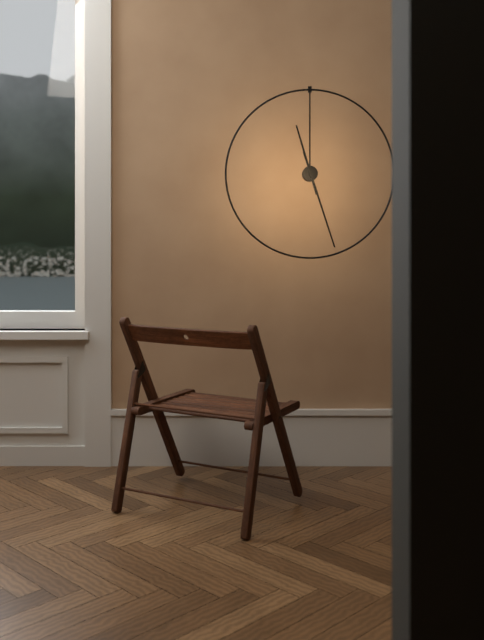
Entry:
11.27
